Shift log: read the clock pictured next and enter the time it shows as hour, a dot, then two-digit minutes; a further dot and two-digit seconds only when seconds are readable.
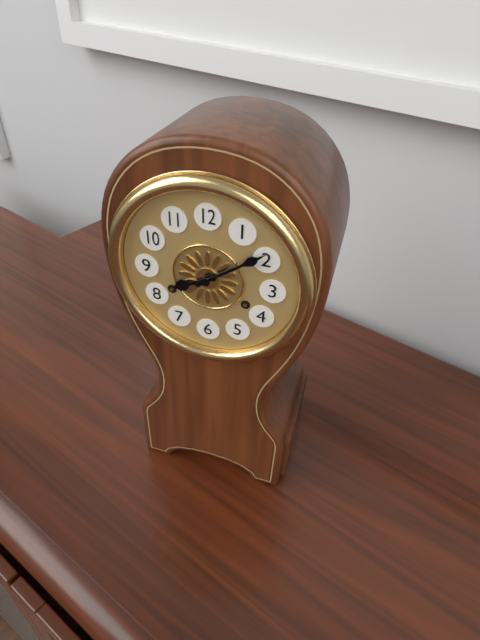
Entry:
8.09
